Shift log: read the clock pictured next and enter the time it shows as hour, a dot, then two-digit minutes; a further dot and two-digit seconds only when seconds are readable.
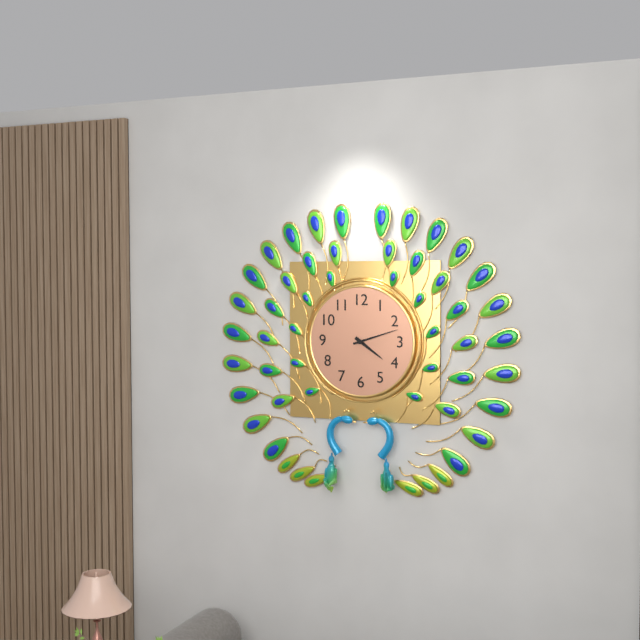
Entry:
4.12
